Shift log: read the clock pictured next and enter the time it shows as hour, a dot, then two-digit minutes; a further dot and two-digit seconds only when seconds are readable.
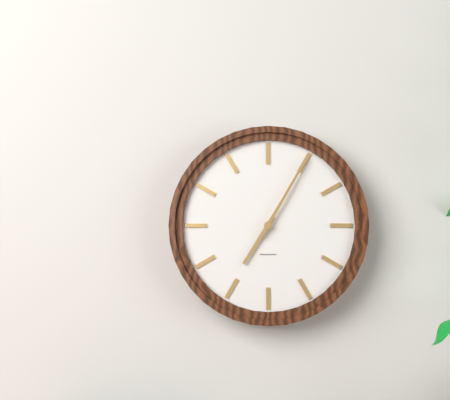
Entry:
7.05
